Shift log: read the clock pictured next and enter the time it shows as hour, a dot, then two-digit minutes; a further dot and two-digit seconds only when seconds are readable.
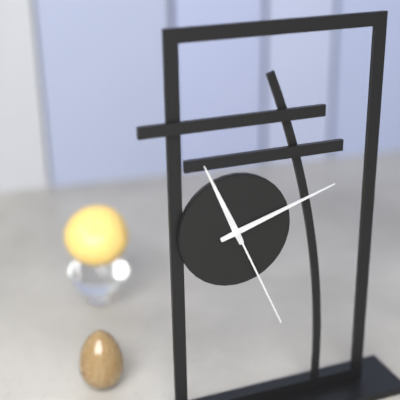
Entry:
11.12.26
